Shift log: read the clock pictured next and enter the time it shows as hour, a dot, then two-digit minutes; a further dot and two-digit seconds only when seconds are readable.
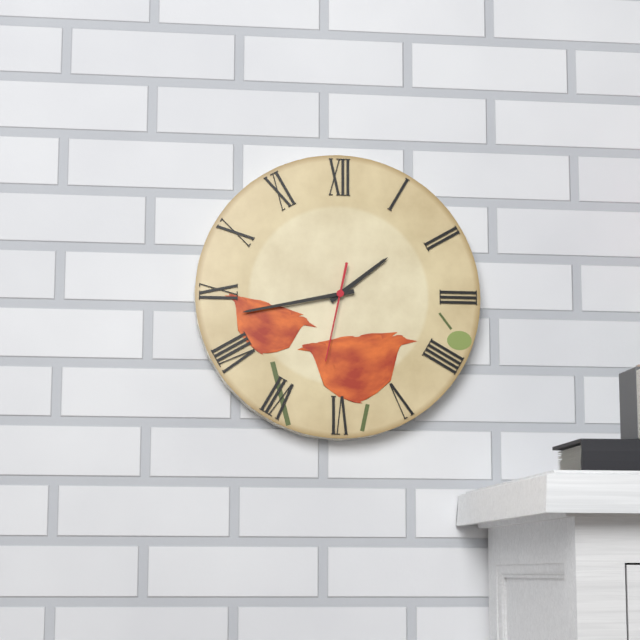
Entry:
1.43.32
